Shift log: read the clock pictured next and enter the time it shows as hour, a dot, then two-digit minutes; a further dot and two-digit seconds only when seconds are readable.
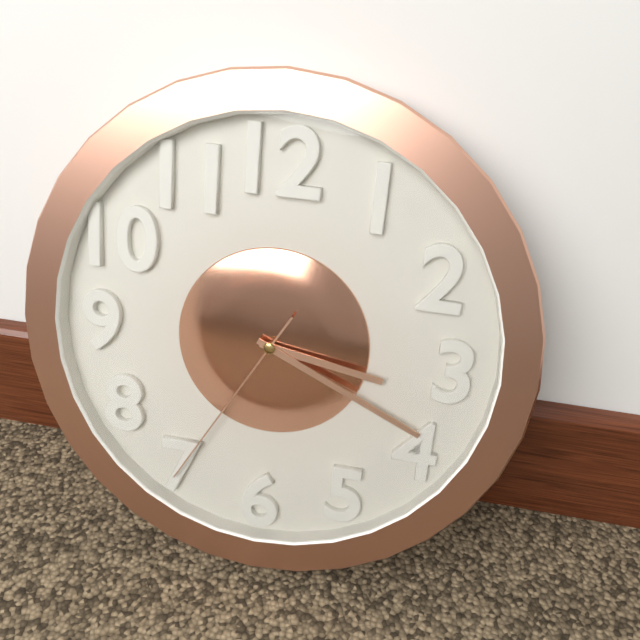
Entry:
3.19.35
